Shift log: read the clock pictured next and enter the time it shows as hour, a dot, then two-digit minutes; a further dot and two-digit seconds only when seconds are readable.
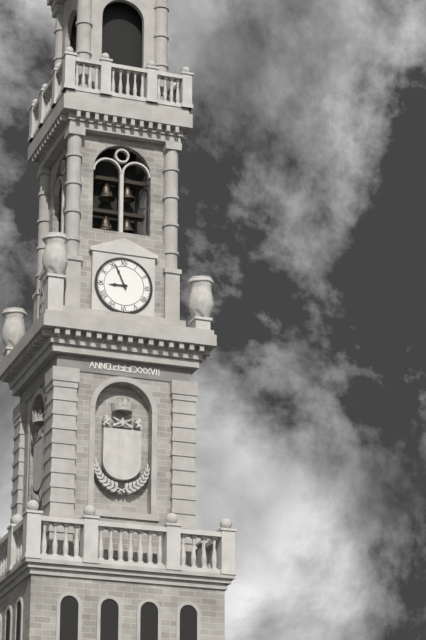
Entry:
8.56
